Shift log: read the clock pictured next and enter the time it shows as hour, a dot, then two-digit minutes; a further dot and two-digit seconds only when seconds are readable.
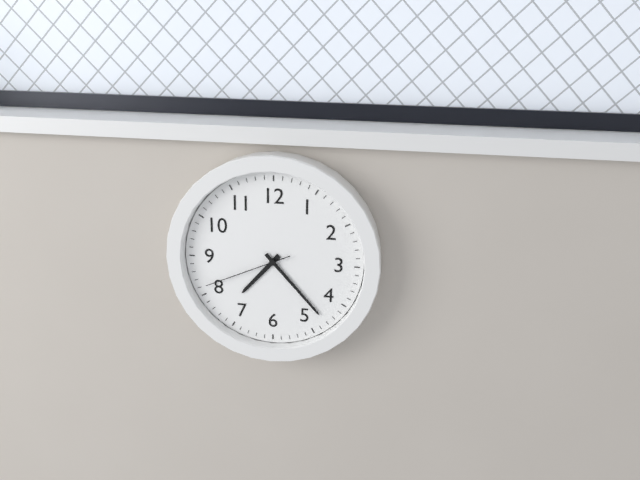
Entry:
7.23.41
